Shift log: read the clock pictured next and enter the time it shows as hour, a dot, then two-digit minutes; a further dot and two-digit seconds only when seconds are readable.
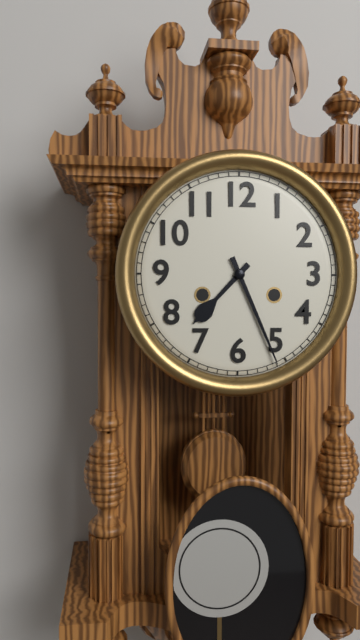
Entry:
7.26
